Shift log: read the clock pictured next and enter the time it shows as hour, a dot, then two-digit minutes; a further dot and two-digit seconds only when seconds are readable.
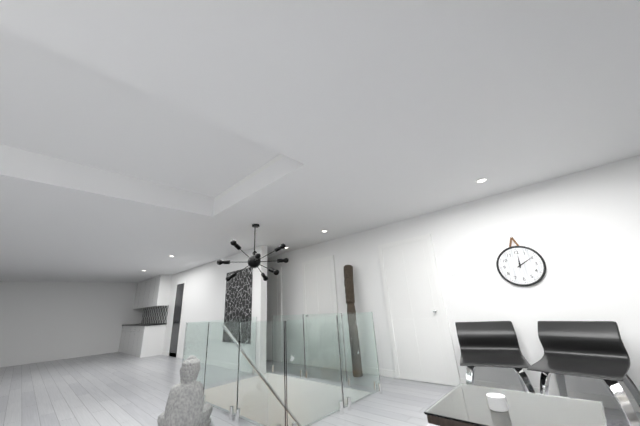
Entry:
12.10
